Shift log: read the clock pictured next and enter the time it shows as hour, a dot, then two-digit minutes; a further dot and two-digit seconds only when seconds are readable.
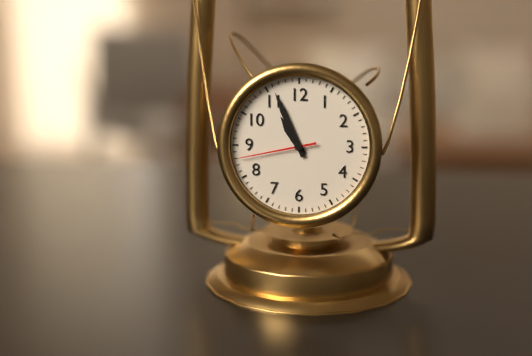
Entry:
10.56.43
